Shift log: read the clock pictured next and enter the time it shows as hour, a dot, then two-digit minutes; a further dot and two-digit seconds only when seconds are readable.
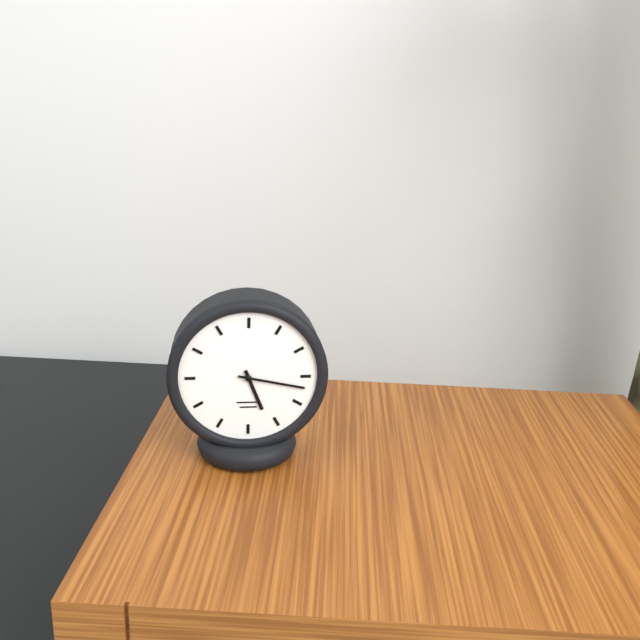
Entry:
5.17
